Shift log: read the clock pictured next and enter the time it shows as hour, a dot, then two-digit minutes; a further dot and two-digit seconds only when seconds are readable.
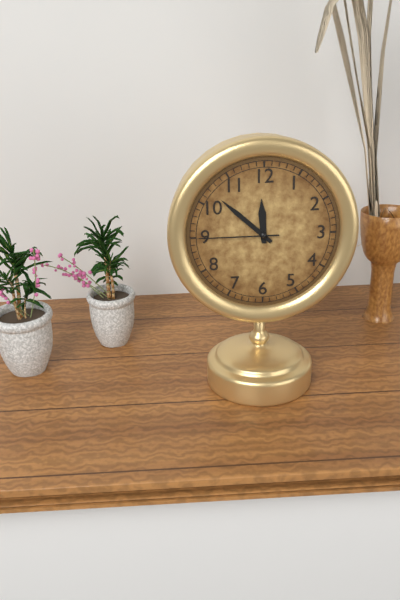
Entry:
11.52.45
